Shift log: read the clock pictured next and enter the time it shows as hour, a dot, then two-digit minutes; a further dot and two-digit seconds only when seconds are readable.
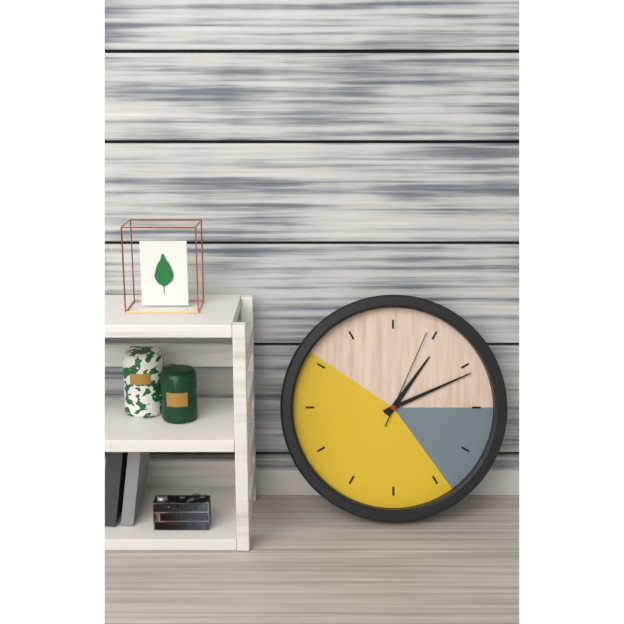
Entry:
1.11.04
